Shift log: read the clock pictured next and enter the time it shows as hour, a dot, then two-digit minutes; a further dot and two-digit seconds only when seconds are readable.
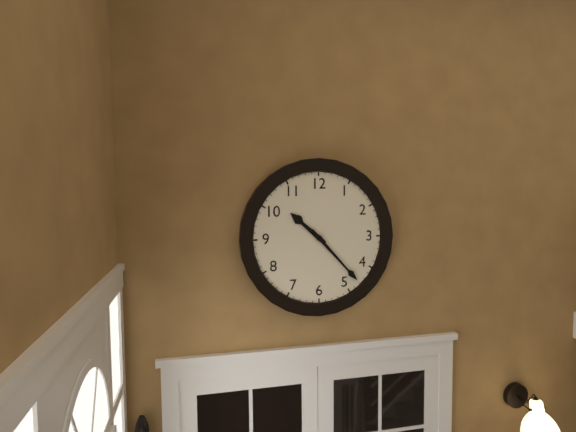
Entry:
10.23
